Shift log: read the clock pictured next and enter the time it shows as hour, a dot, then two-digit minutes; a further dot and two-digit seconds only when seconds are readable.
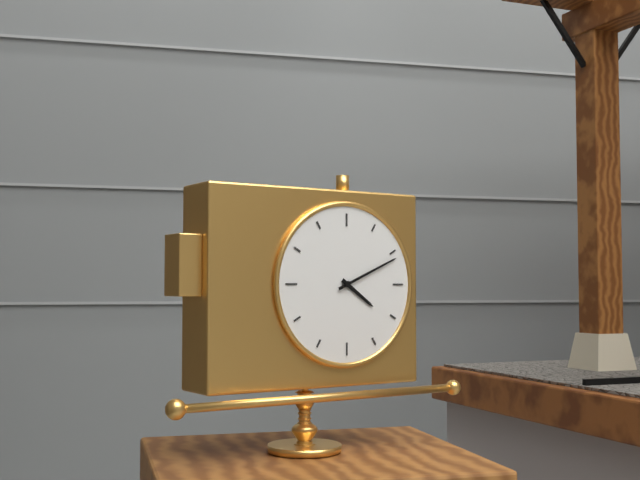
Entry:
4.11
